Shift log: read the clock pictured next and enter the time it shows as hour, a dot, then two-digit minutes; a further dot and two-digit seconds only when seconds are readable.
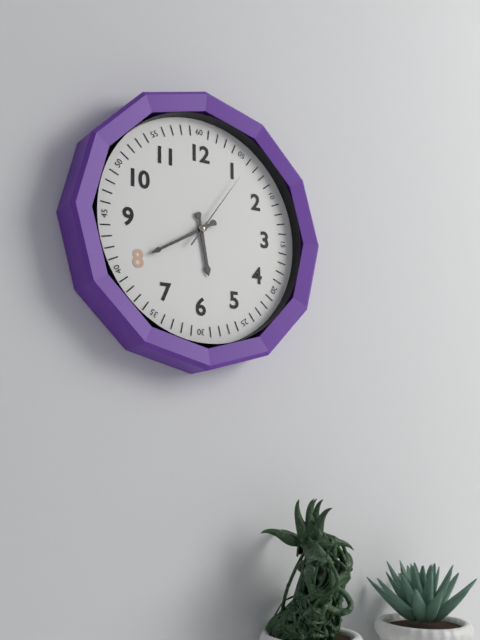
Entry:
5.40.06
